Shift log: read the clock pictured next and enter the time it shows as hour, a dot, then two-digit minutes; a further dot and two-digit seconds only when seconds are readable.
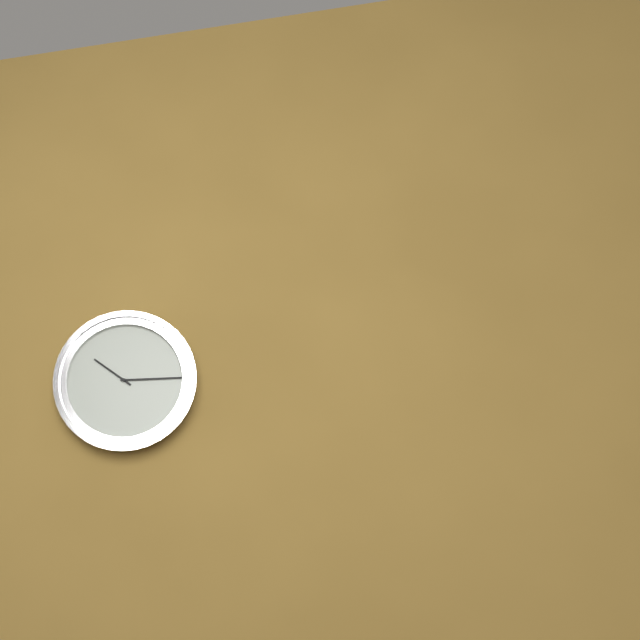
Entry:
10.15
